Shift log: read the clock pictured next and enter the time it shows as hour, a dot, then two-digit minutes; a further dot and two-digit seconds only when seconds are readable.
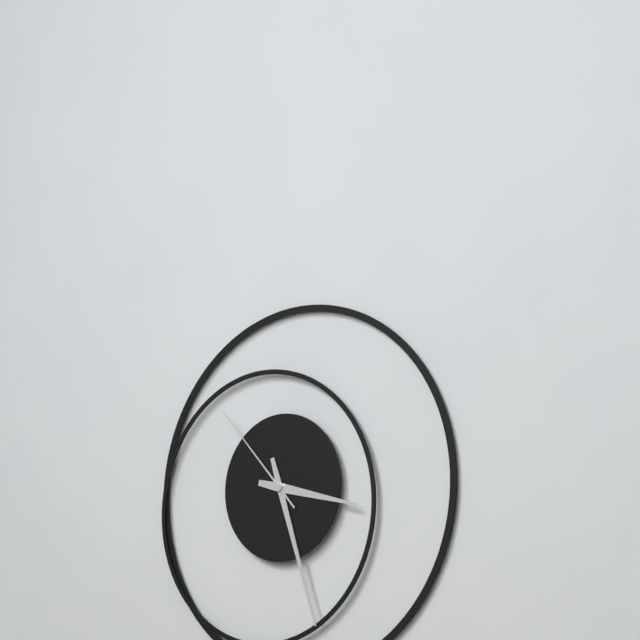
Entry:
3.27.53
